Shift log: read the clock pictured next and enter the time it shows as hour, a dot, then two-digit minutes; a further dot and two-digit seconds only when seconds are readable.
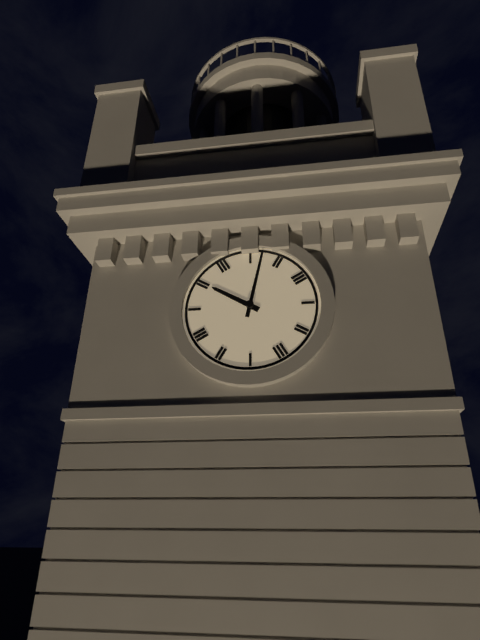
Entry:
10.02
